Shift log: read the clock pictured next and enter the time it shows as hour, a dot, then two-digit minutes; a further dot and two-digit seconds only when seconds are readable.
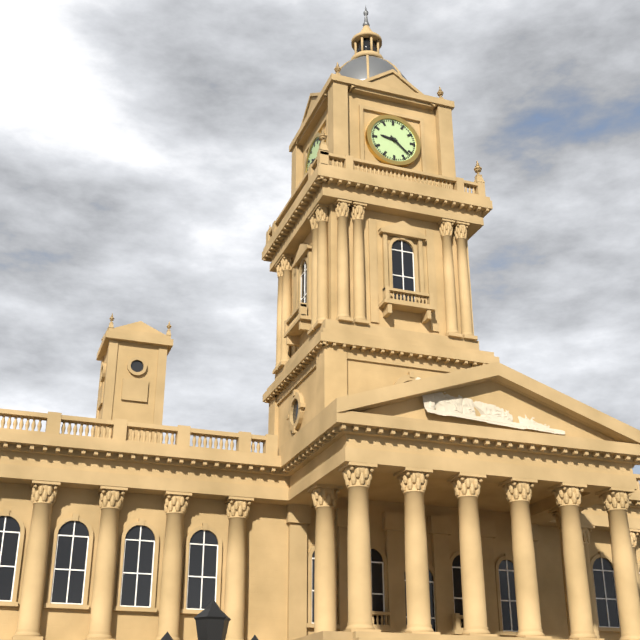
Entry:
9.22
